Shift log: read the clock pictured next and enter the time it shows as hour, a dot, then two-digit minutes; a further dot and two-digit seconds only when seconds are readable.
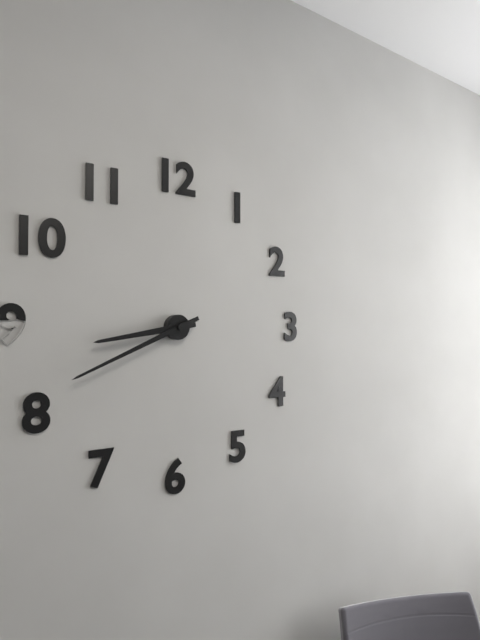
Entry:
8.41
